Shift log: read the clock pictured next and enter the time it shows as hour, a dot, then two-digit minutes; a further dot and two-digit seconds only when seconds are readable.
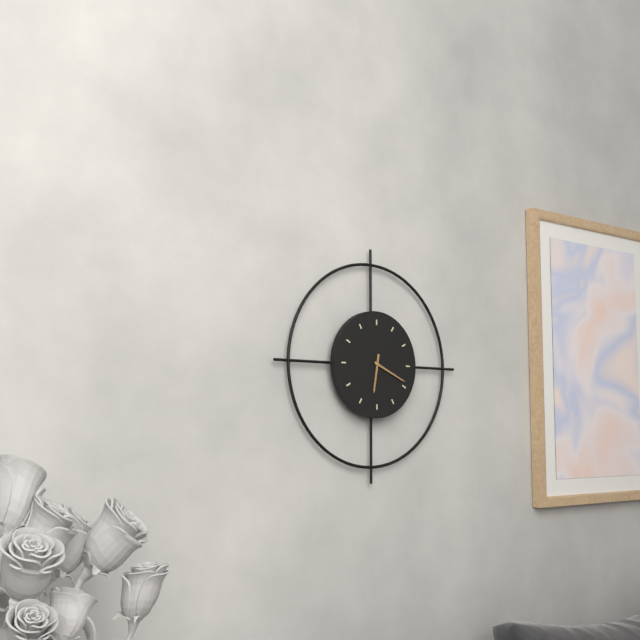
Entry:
6.19
